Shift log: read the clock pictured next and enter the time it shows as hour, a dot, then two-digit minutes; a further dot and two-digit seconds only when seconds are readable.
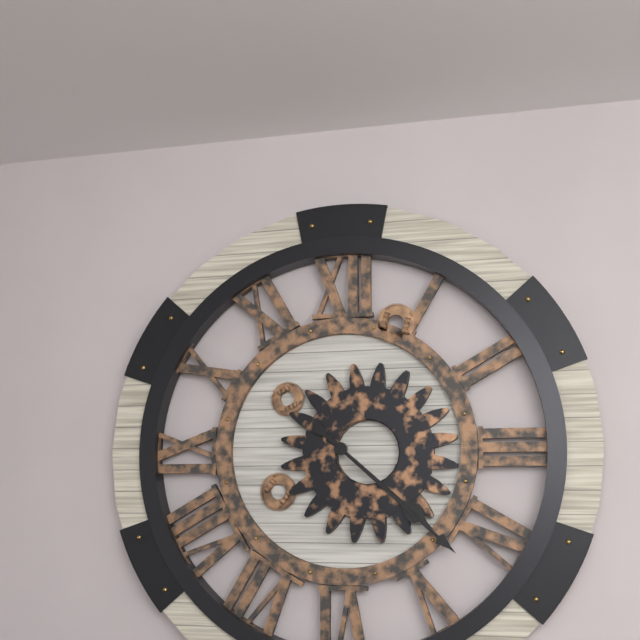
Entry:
4.22
